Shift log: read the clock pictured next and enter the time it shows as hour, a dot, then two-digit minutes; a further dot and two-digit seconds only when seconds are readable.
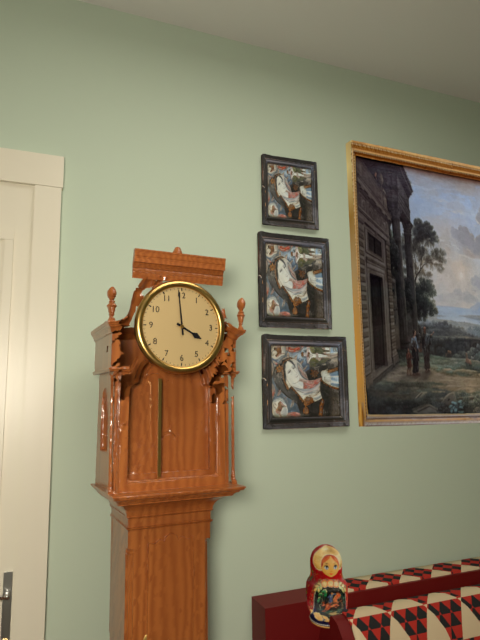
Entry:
3.59
